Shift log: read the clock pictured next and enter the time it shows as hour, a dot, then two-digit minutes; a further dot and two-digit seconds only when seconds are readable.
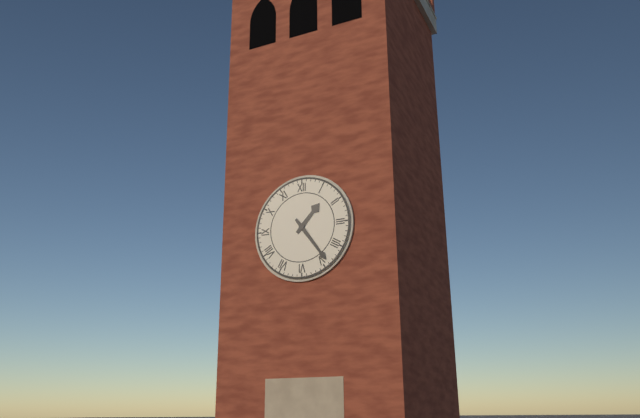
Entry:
1.24
